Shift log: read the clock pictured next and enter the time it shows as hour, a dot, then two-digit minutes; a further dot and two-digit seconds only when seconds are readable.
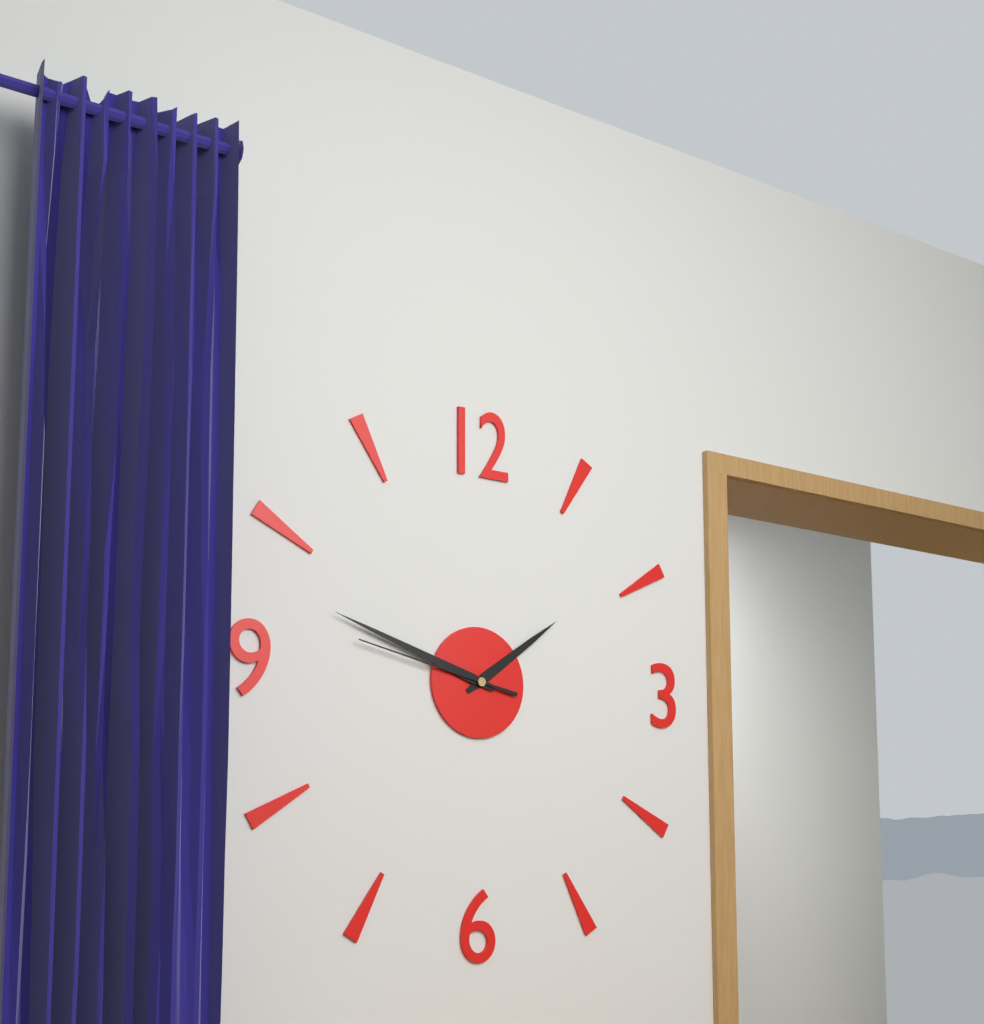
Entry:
1.48.47
